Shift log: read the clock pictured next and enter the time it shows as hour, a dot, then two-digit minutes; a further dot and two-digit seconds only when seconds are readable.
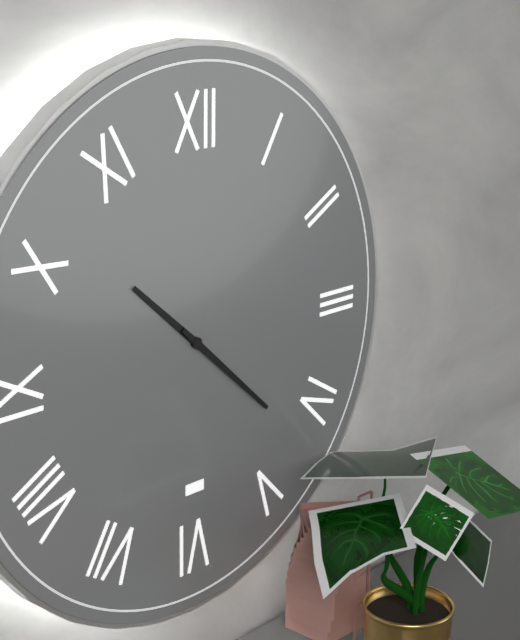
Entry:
10.22
